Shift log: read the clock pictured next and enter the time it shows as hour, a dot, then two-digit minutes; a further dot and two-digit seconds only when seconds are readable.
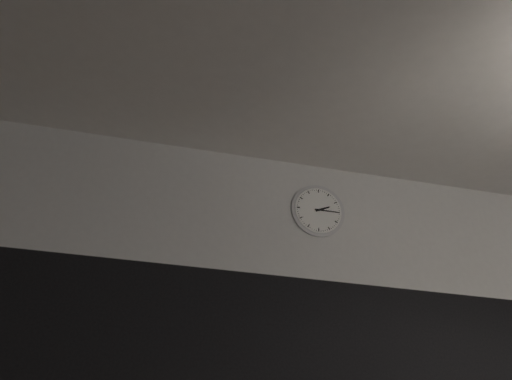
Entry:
2.15
